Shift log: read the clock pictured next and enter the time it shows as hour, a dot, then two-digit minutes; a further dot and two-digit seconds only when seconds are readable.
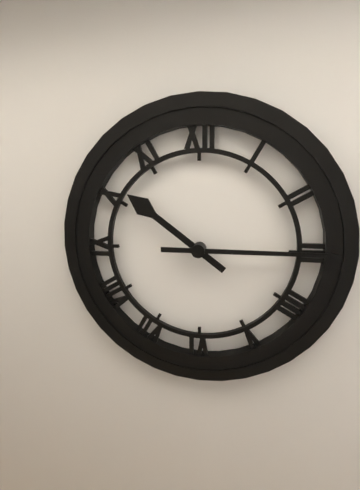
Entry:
10.15
